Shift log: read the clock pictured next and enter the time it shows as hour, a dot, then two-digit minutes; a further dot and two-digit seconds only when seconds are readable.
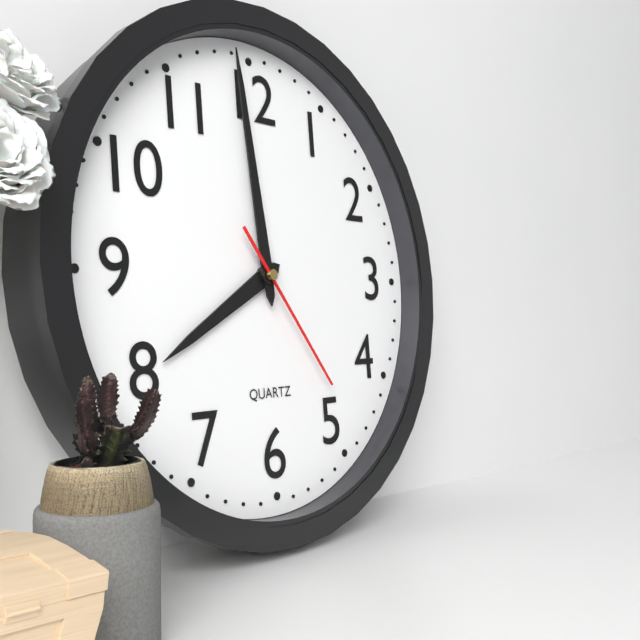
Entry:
7.59.24
